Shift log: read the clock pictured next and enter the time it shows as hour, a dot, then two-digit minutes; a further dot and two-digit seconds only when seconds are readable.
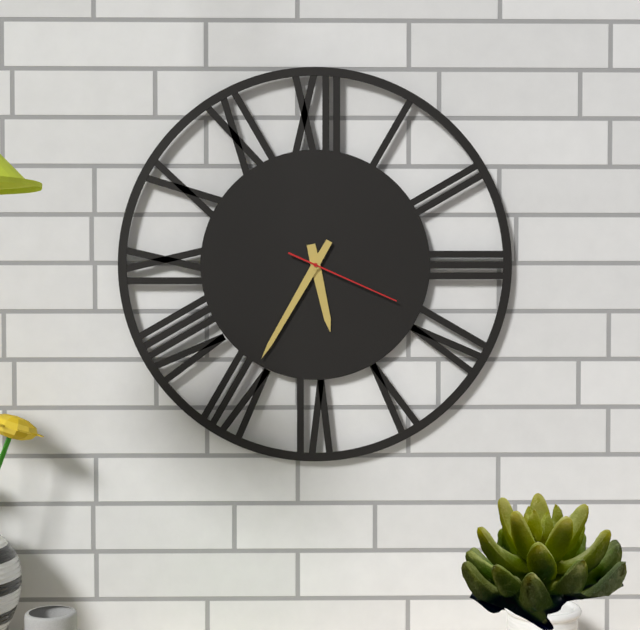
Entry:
5.35.19
